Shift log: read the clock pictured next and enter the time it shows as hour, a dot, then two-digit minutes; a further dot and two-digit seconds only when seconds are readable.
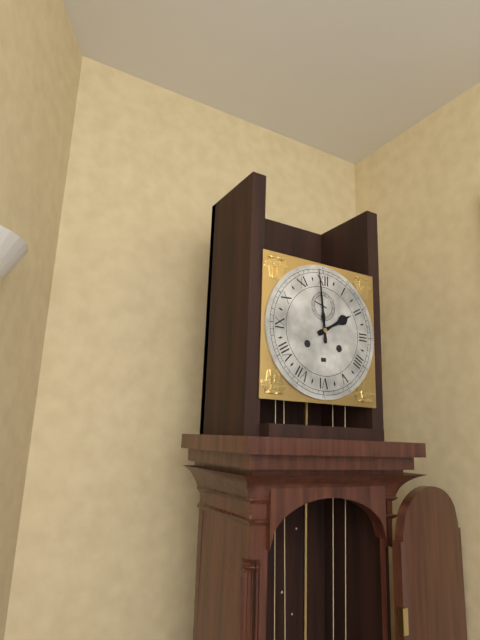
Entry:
1.59
